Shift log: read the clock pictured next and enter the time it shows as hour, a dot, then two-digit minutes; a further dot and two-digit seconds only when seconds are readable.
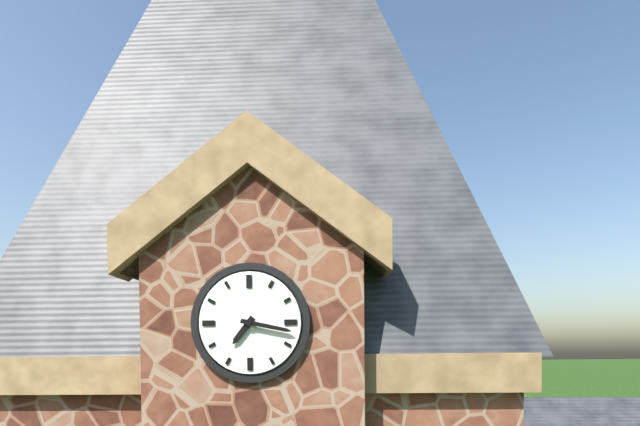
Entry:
7.17
